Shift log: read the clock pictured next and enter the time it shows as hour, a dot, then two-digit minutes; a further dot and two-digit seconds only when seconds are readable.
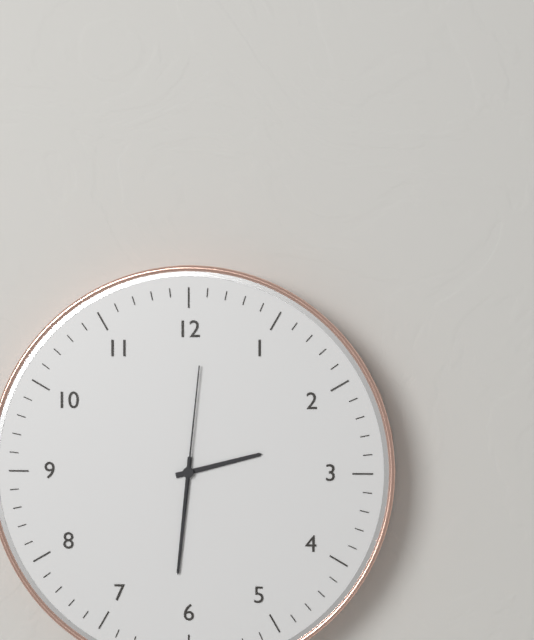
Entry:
2.31.01
